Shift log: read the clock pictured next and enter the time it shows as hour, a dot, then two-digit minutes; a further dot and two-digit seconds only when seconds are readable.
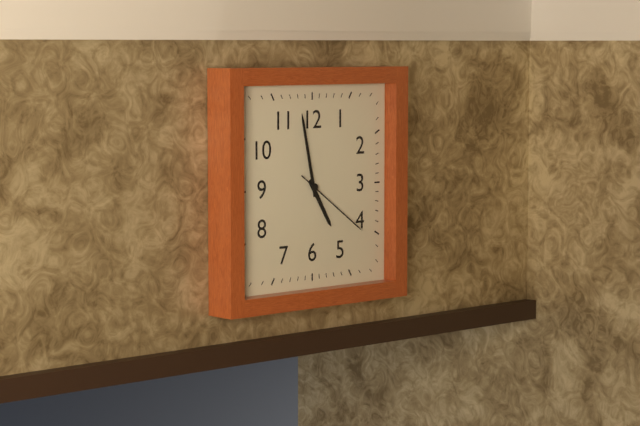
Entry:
4.58.21
